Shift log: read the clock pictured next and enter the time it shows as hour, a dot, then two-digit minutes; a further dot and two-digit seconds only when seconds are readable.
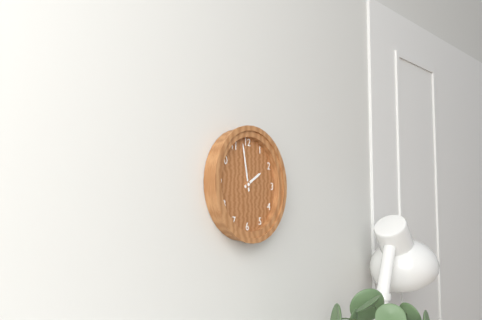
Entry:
1.58
